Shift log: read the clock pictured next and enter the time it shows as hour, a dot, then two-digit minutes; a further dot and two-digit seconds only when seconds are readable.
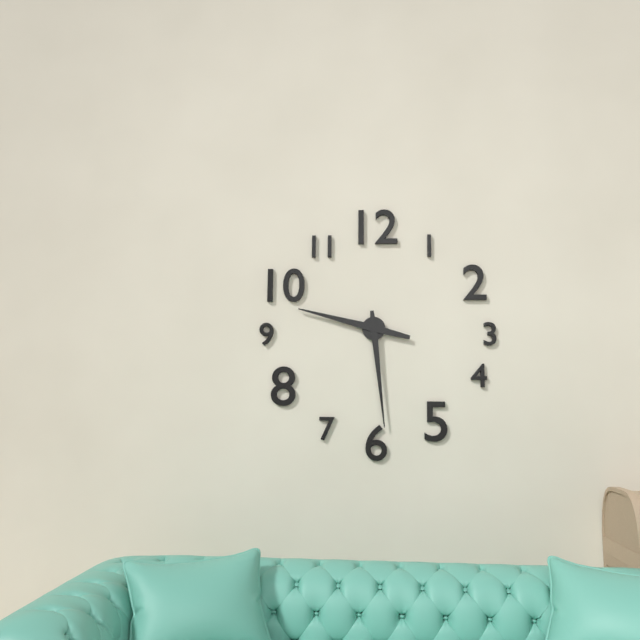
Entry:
9.29
